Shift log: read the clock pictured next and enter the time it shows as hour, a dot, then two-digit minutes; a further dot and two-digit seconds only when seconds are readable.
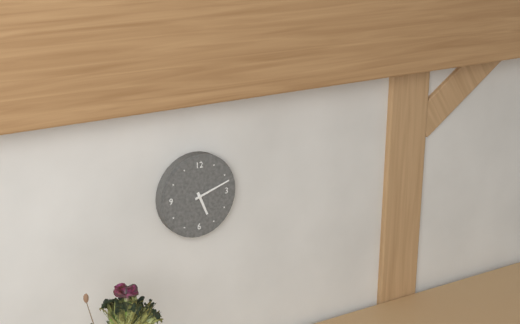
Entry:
5.12
